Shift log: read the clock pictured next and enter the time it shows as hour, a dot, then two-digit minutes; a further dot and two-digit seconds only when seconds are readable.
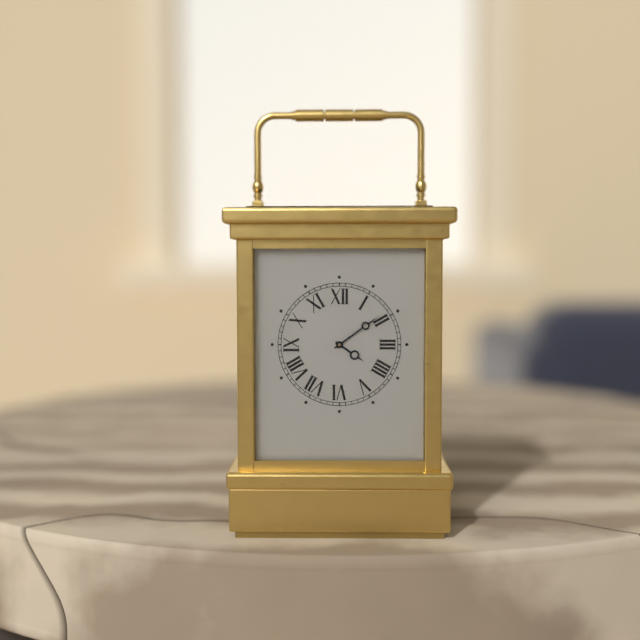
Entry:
4.09
